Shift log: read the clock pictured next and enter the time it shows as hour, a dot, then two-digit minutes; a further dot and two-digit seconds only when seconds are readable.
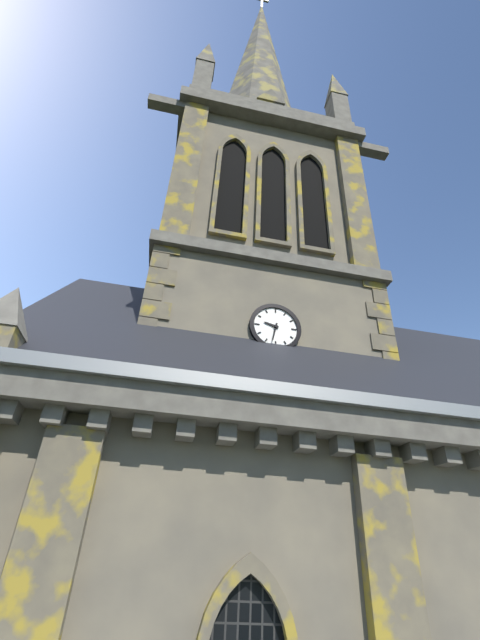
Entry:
9.32
